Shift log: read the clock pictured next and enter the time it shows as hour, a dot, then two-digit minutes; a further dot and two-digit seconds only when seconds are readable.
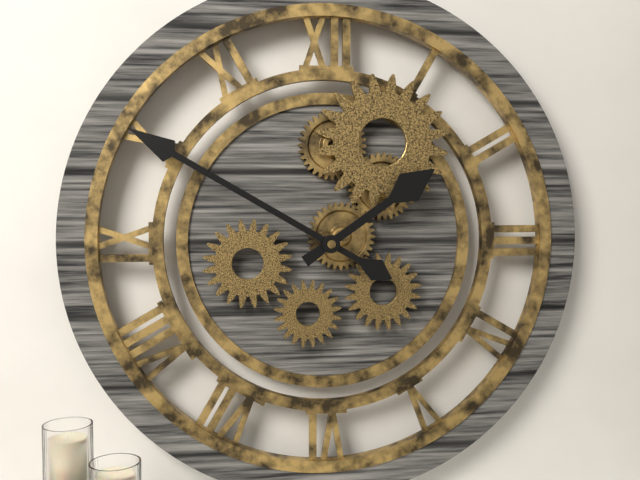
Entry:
1.50
